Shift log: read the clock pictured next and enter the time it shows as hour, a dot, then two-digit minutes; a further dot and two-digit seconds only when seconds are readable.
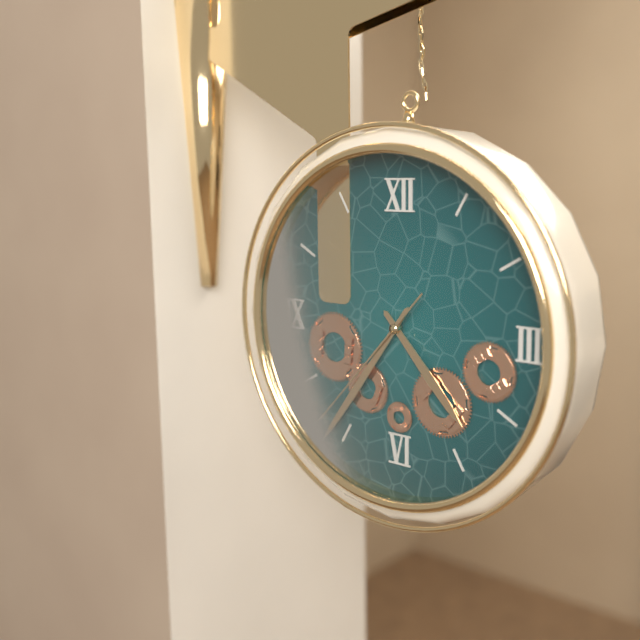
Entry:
4.36.37
